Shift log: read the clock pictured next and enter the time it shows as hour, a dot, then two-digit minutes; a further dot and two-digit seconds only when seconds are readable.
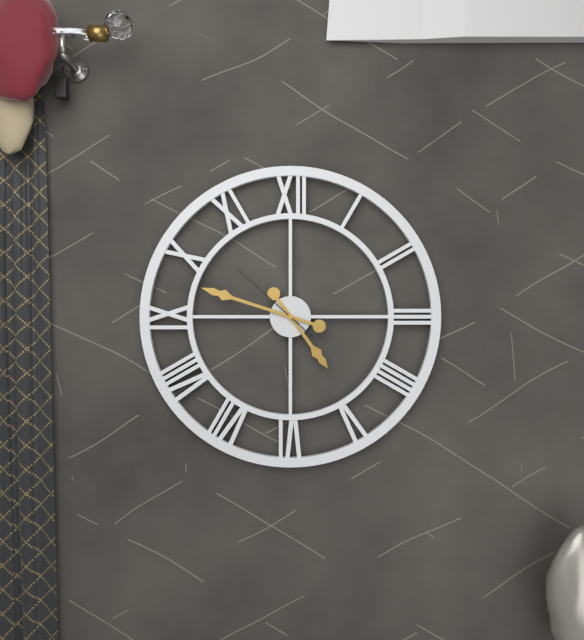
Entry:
4.48.52
